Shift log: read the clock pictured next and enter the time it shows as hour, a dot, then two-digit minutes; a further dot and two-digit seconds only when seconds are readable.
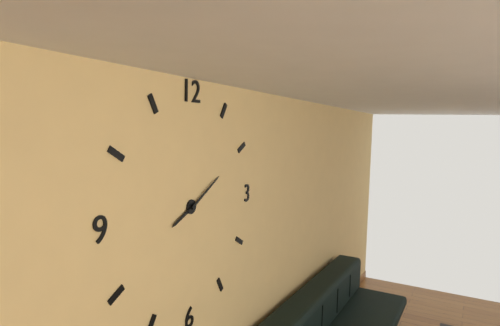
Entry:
8.10
